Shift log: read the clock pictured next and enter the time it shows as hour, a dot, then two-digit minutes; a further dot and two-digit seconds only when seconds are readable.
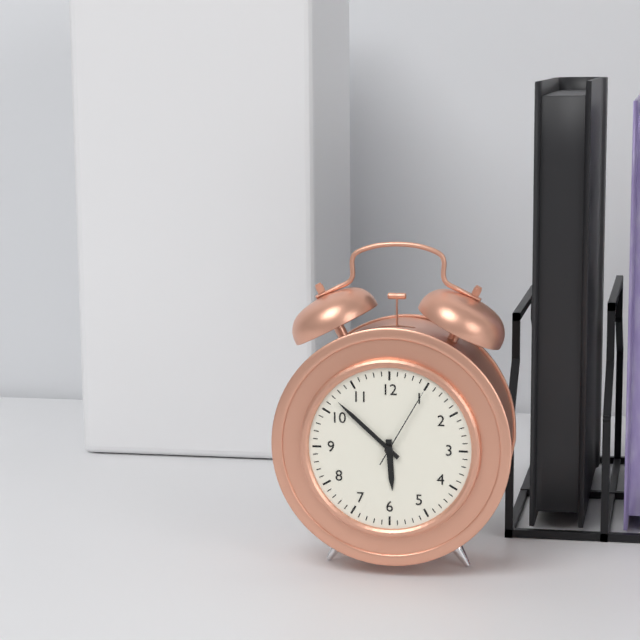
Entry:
5.52.05
